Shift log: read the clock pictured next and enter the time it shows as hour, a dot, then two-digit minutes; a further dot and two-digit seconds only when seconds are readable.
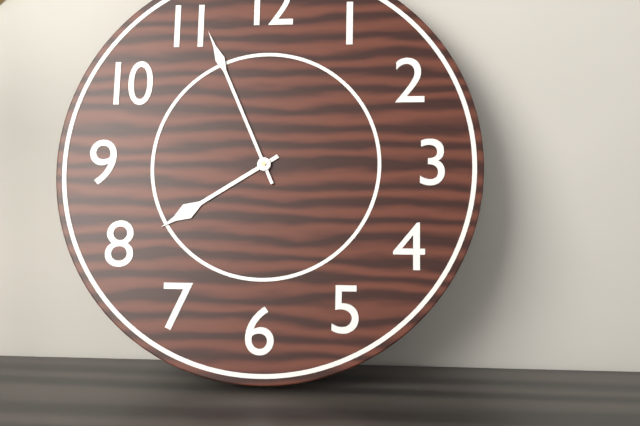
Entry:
7.56
